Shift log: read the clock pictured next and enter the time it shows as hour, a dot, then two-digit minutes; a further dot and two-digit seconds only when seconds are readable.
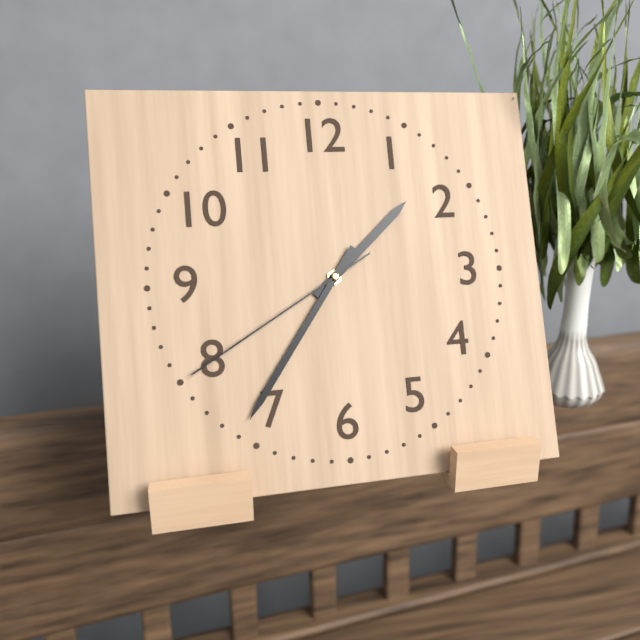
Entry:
1.36.40
